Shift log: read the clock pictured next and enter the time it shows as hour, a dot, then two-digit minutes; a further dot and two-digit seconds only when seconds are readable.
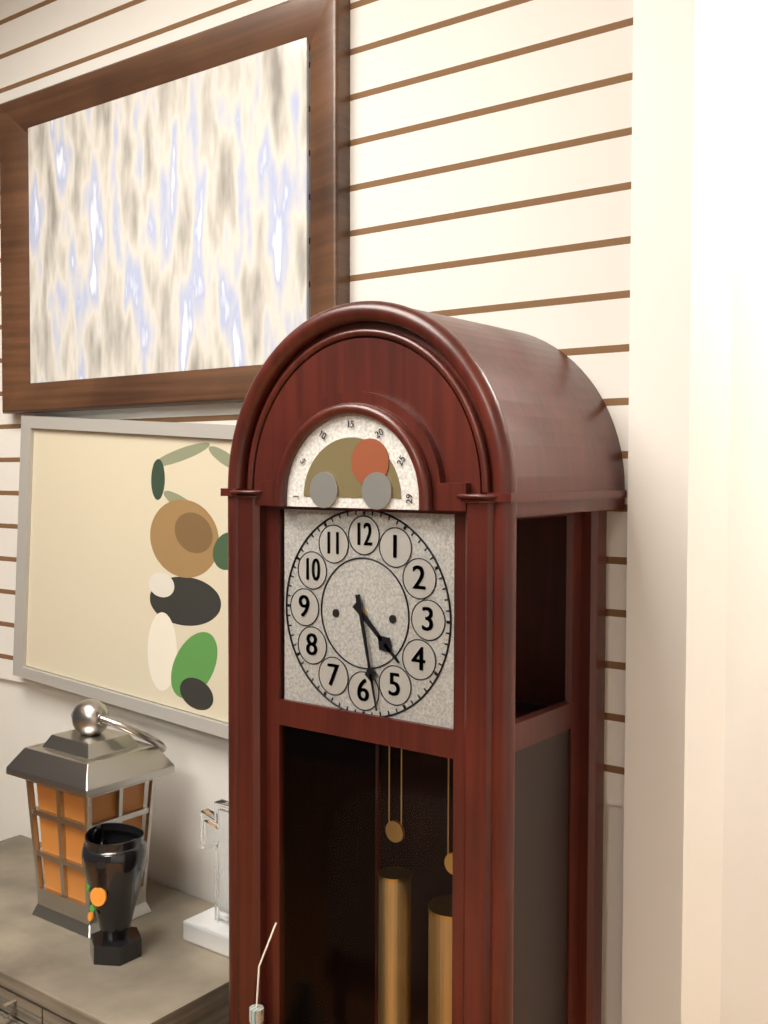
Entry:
4.28
